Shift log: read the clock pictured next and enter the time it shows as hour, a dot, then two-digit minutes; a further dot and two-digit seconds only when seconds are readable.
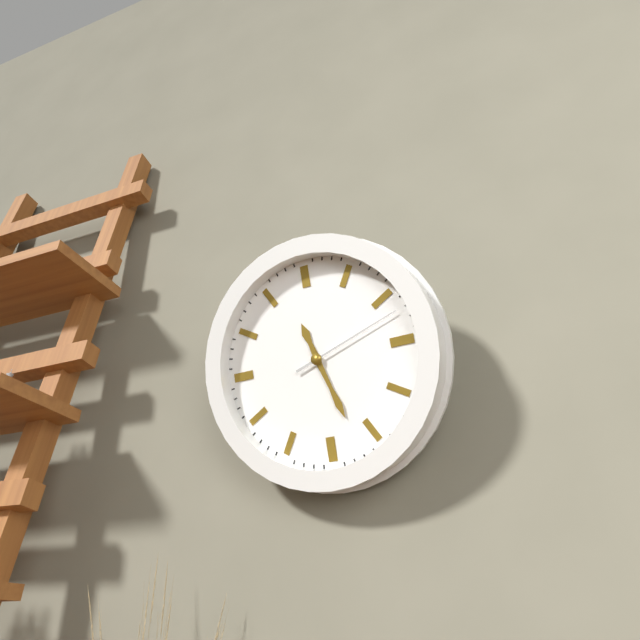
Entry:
11.27.12
